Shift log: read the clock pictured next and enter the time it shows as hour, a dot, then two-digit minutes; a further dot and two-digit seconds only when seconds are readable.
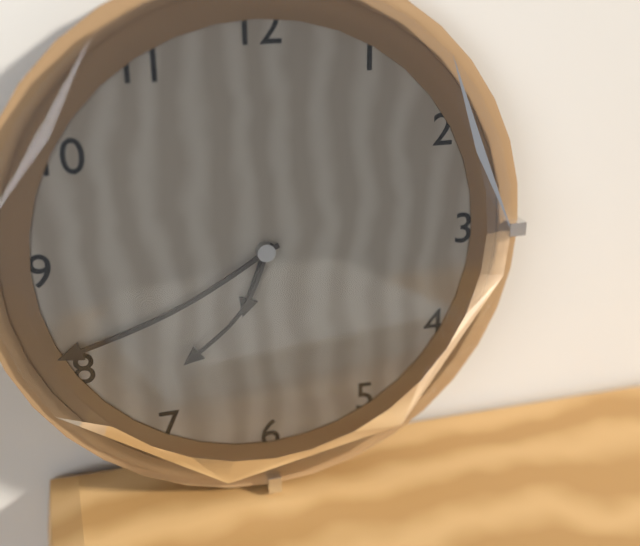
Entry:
6.41.36
